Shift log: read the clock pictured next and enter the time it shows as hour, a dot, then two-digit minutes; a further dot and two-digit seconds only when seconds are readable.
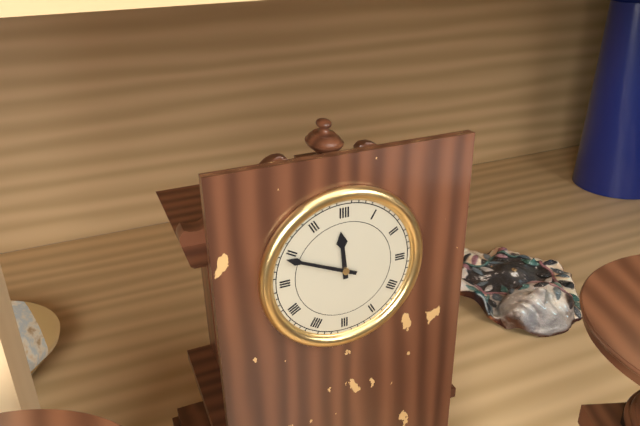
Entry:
11.49
